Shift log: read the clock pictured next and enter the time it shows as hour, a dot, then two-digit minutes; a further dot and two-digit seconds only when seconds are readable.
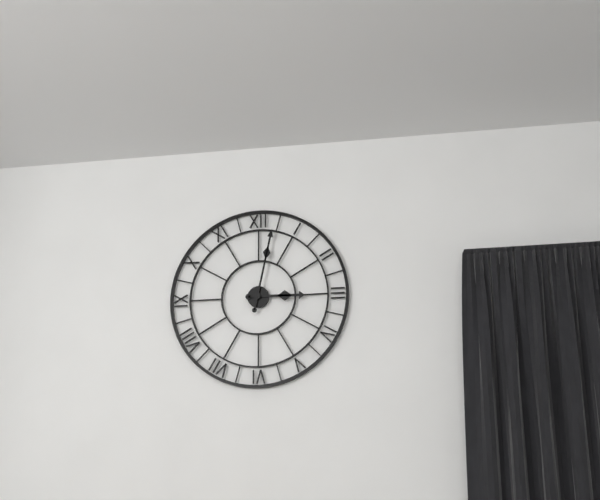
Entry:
3.02
